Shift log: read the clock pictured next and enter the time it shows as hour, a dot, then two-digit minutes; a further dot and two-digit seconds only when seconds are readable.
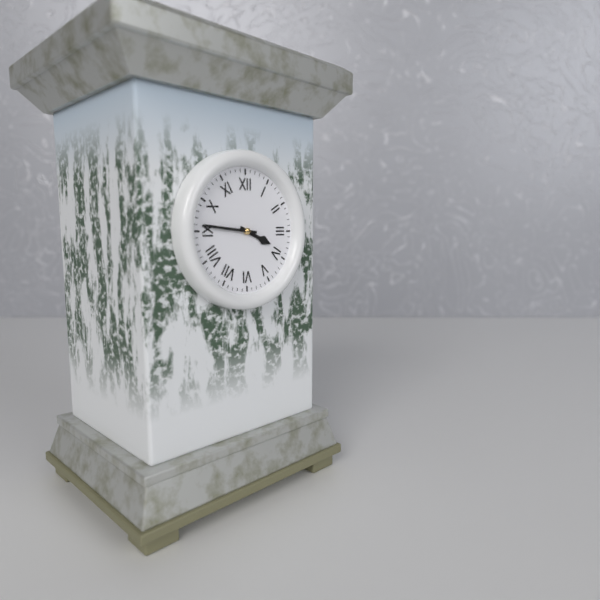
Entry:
3.46
